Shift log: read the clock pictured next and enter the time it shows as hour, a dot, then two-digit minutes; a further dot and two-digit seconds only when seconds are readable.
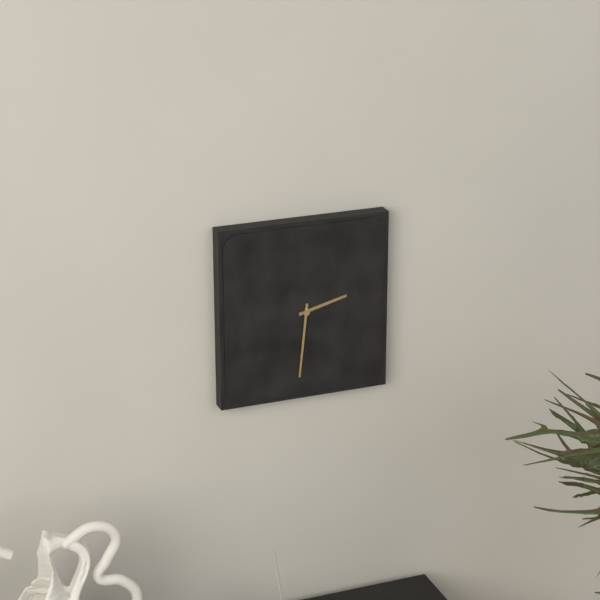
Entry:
2.31
